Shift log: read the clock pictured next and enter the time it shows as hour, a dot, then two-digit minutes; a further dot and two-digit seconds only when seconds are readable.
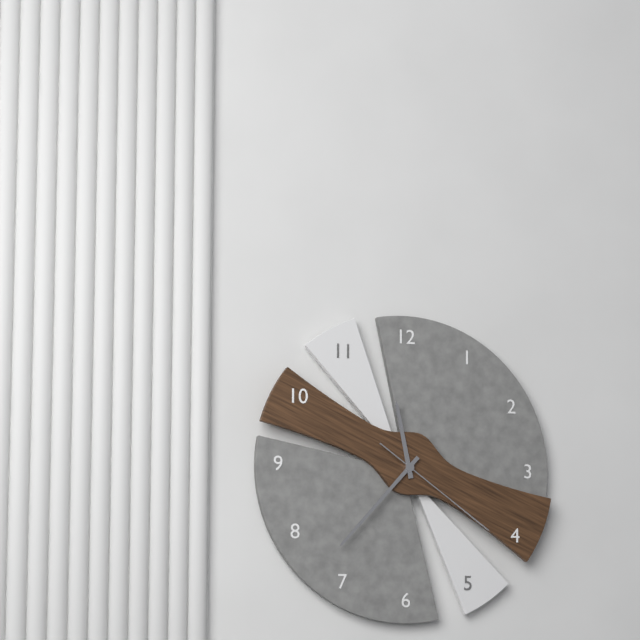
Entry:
11.37.21
